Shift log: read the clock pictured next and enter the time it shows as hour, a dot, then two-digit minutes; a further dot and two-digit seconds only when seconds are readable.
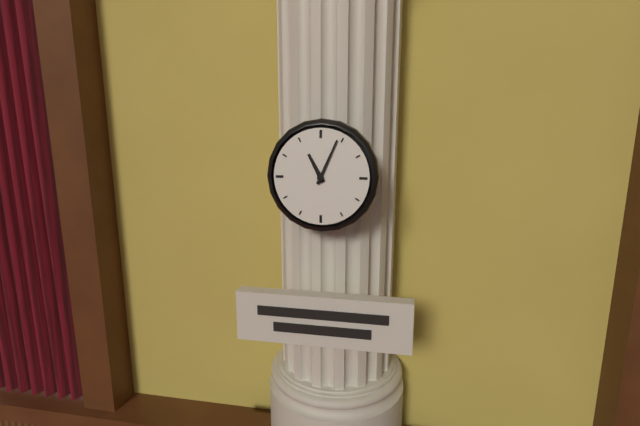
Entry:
11.04
